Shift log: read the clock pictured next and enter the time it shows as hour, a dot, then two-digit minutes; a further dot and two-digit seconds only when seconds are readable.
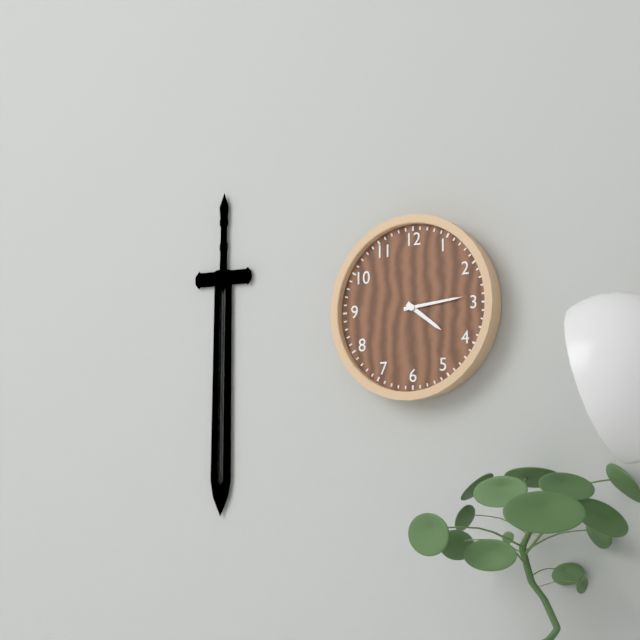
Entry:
4.14
